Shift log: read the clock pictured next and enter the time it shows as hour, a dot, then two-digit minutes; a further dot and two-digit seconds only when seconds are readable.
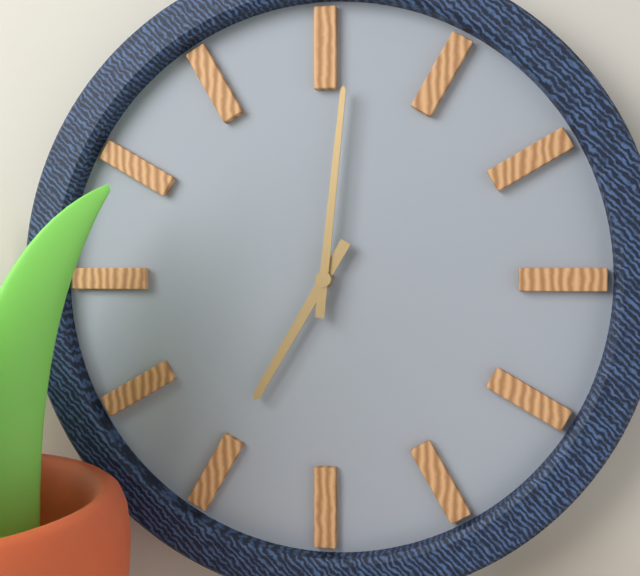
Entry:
7.01
